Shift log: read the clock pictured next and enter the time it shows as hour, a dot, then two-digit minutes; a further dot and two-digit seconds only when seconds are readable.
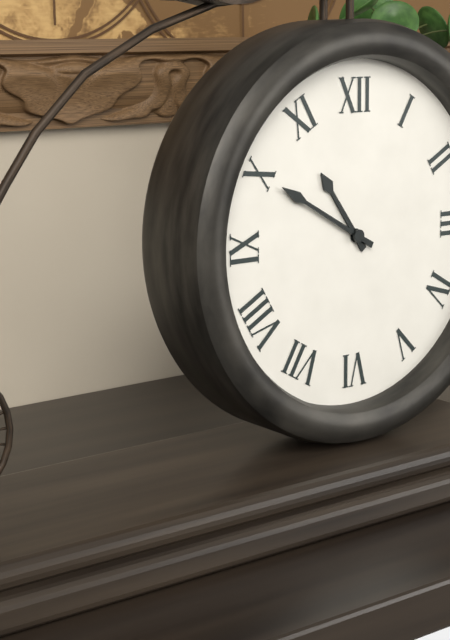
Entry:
10.50
